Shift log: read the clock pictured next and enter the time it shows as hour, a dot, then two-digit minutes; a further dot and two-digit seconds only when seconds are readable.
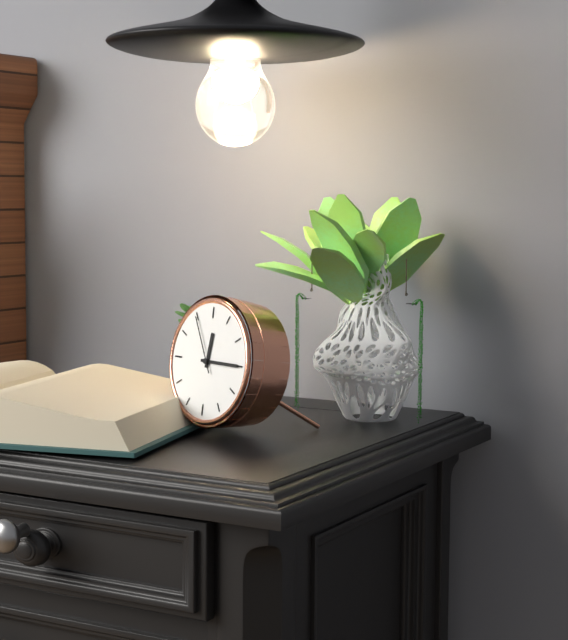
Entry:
12.15.55
